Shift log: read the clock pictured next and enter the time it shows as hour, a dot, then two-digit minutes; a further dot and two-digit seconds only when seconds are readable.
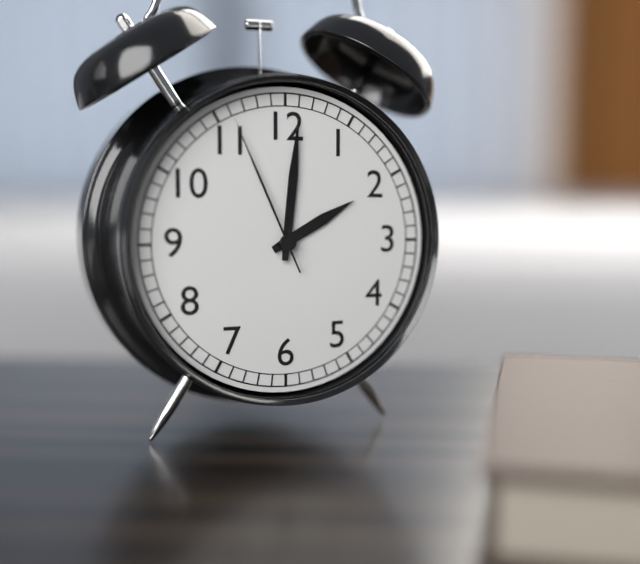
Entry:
2.01.56
